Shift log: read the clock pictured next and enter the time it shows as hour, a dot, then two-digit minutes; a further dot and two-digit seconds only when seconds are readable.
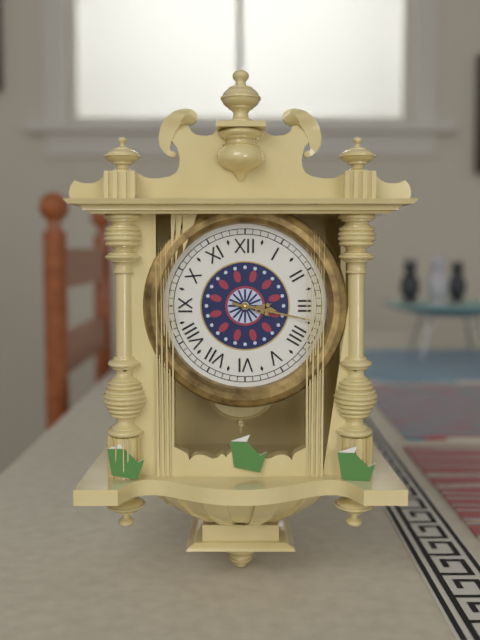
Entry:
3.17
